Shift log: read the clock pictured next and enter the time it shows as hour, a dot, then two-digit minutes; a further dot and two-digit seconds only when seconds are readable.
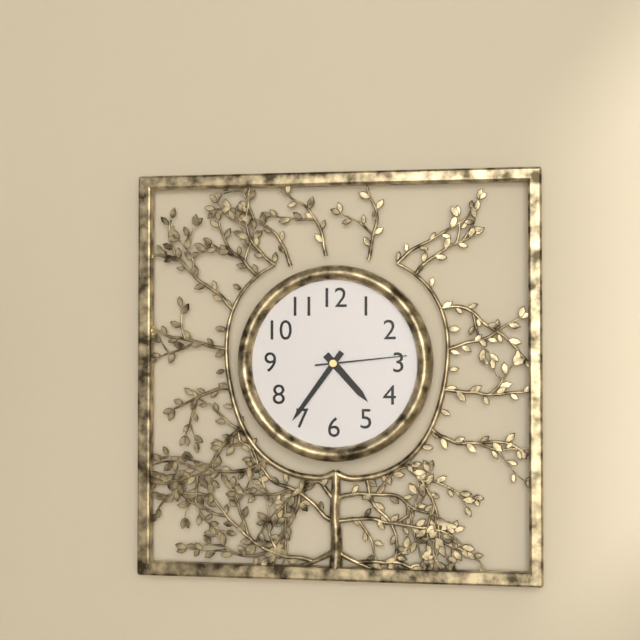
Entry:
4.36.14
